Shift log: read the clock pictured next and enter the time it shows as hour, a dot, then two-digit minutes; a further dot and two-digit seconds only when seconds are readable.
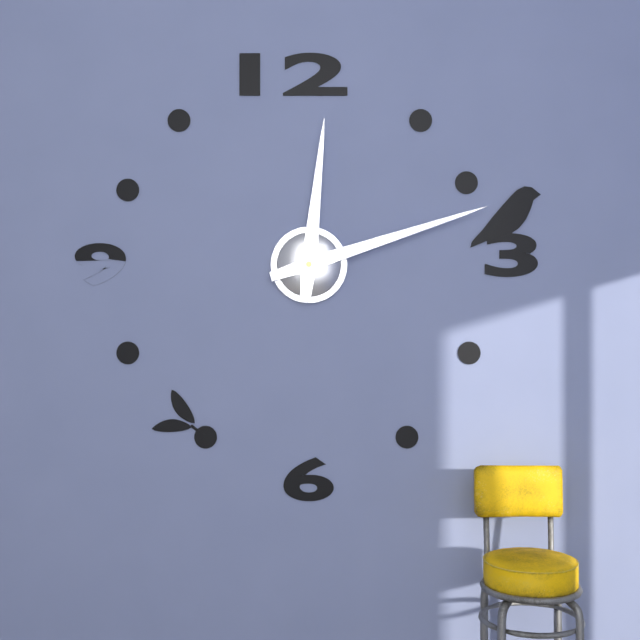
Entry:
12.12
